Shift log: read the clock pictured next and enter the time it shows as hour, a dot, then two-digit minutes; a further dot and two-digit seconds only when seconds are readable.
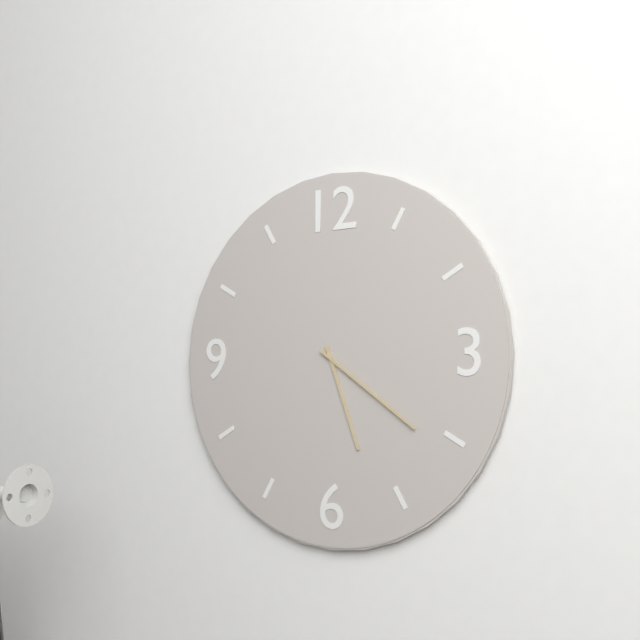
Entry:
5.21
